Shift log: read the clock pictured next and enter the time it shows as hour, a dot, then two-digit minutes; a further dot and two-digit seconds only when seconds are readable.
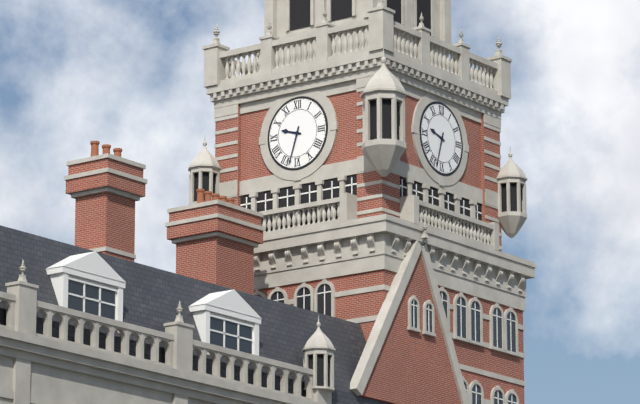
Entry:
9.33
